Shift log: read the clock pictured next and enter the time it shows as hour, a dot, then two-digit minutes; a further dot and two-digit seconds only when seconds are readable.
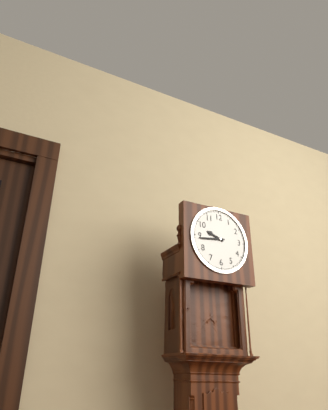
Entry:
9.44
